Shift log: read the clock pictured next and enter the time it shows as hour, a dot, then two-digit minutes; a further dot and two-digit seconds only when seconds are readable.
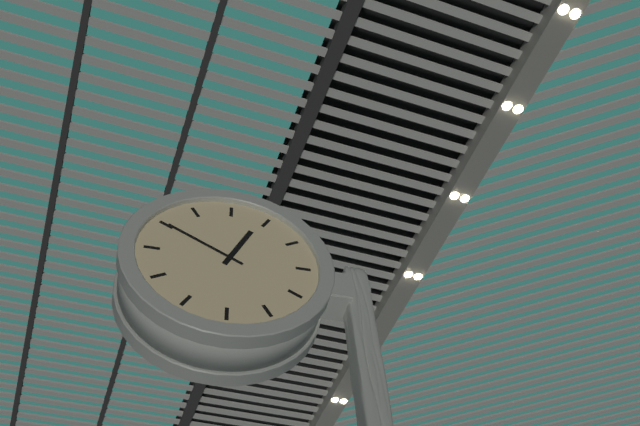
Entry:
12.50
